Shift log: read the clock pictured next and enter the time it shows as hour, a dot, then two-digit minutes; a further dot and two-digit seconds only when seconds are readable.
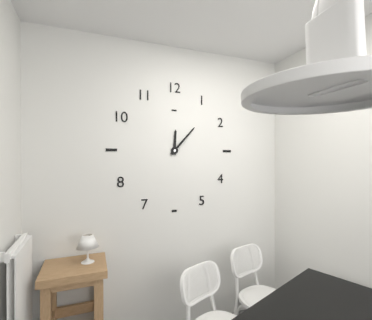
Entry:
12.07
